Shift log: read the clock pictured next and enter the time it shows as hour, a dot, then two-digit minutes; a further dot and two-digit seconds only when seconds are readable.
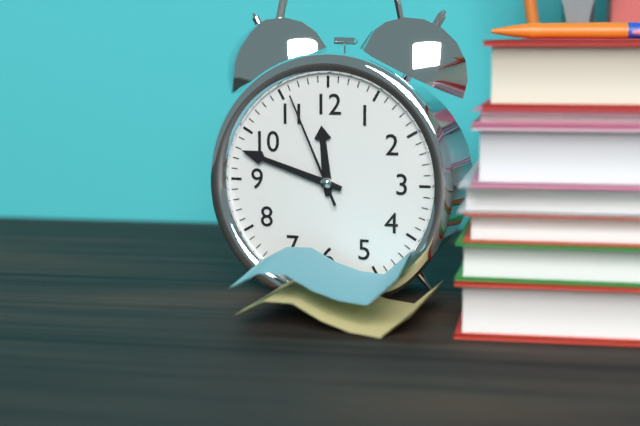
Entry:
11.48.56
